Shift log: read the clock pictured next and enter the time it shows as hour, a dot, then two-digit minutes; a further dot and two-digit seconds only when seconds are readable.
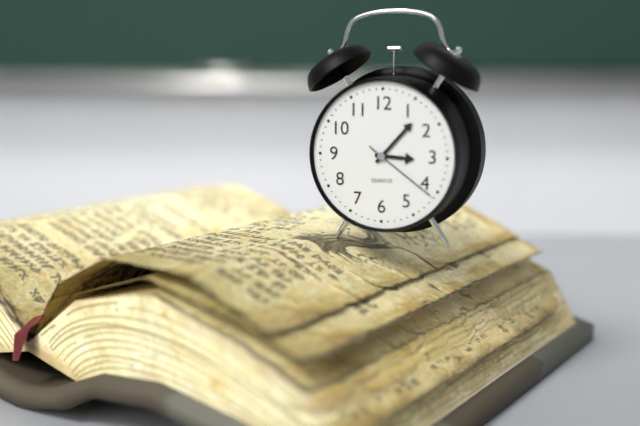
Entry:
3.07.21
